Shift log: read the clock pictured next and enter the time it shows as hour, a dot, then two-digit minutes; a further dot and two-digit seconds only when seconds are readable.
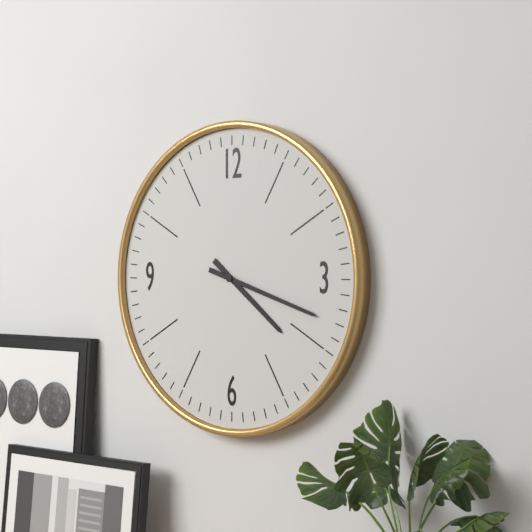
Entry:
4.18
